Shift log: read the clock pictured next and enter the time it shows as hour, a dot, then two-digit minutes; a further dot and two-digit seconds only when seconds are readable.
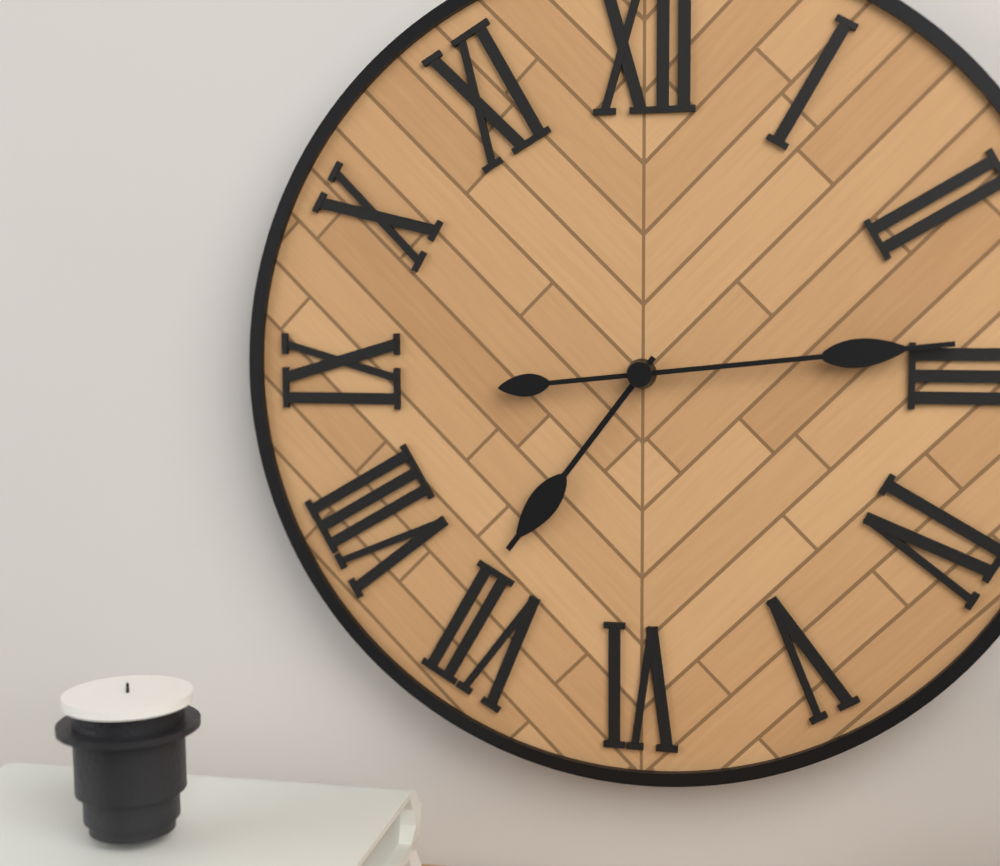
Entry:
7.14
